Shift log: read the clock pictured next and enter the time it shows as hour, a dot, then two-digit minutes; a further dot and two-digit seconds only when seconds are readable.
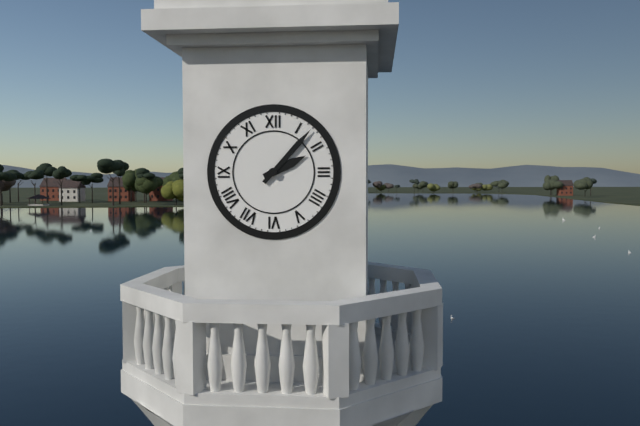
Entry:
2.07
